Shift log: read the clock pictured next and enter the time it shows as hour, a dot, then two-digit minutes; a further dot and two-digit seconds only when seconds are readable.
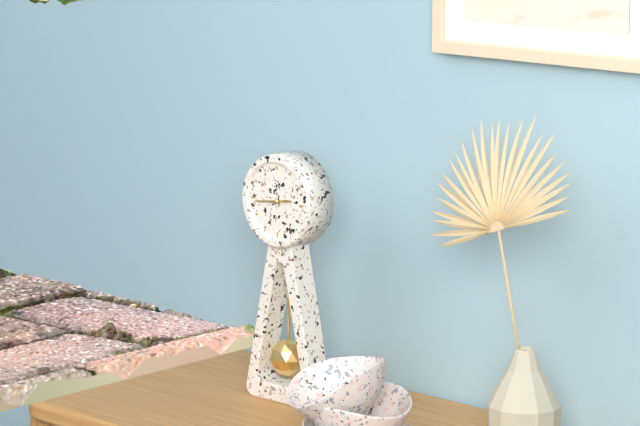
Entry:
2.44
